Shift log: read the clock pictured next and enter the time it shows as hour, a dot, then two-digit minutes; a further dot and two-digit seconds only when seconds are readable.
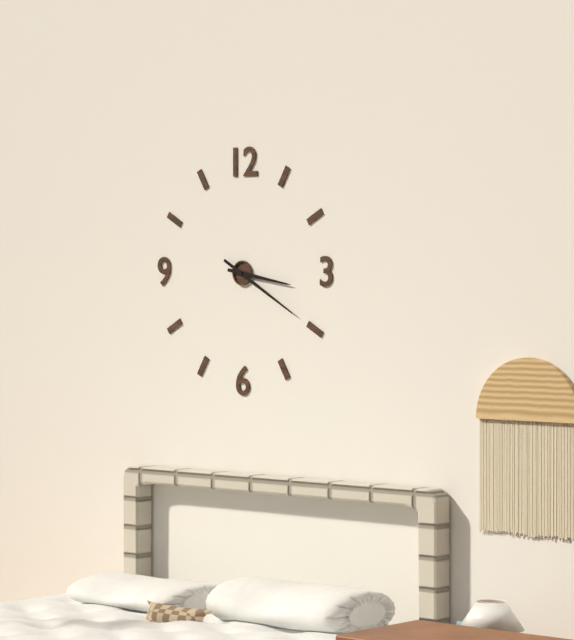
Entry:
3.20
